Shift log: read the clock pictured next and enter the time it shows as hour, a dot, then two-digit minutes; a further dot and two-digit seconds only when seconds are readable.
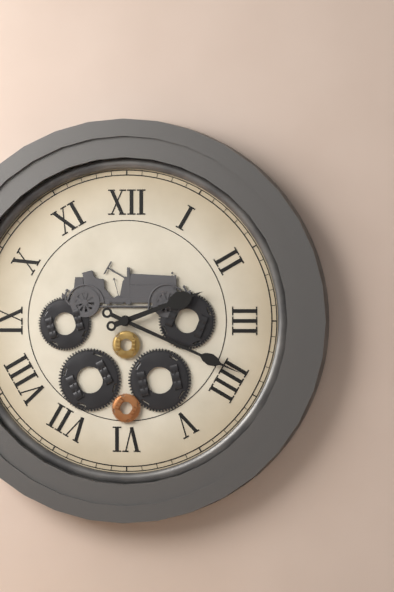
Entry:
2.19
